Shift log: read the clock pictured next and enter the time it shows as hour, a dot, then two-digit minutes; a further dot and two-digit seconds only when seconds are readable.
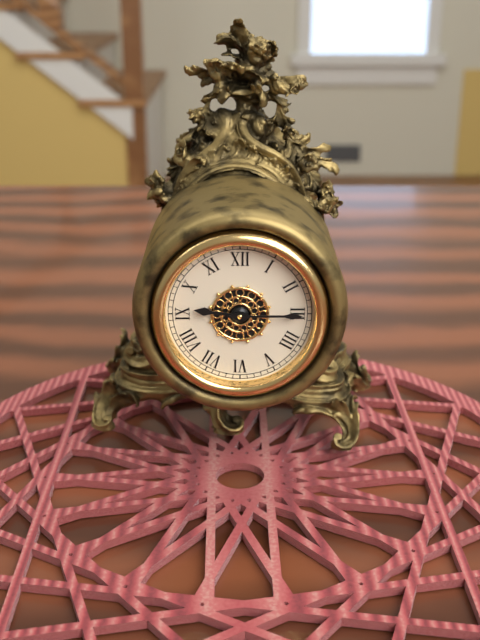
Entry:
9.15
